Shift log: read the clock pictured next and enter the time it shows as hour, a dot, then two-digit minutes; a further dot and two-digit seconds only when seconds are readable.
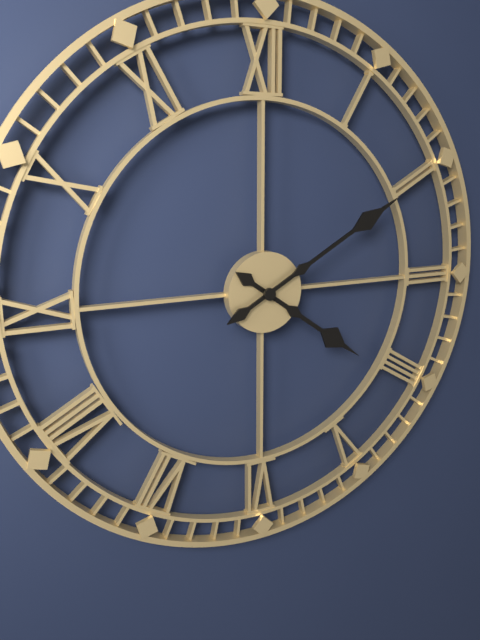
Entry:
4.10
